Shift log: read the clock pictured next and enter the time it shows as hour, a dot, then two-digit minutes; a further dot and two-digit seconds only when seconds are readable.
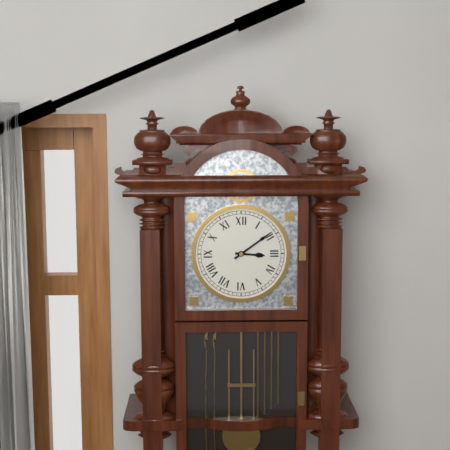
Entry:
3.09
